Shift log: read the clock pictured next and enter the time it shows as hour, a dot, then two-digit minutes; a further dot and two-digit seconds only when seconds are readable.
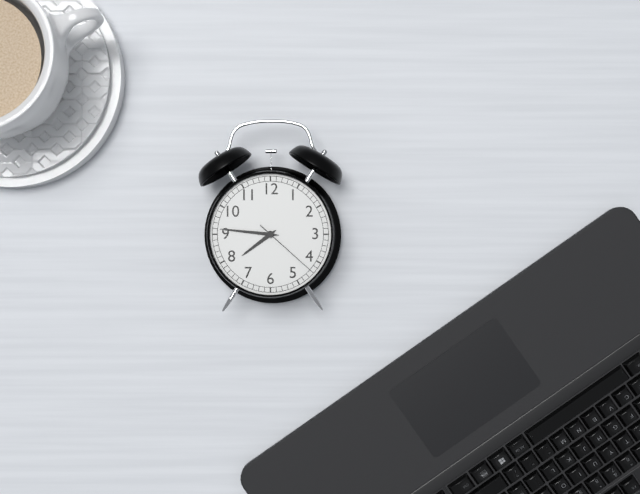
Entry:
7.46.22
